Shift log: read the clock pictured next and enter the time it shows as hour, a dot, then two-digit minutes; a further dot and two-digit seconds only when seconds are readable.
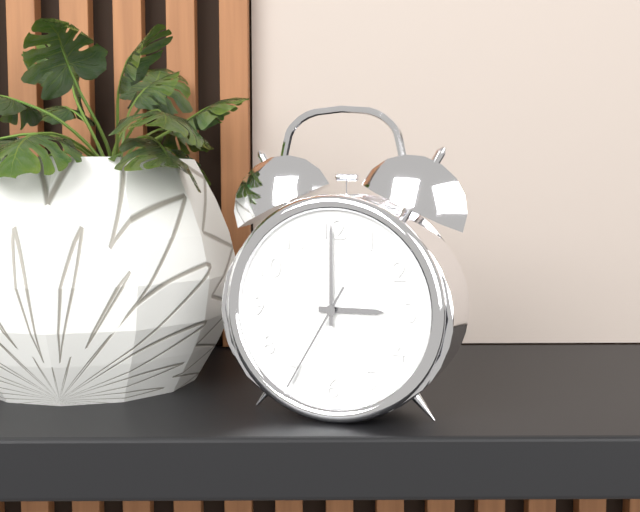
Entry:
3.00.35
